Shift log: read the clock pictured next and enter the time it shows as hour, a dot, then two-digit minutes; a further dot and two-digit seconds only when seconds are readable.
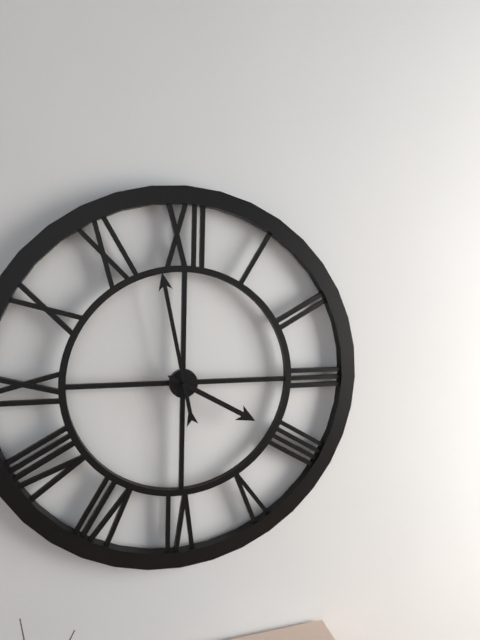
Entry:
3.58
